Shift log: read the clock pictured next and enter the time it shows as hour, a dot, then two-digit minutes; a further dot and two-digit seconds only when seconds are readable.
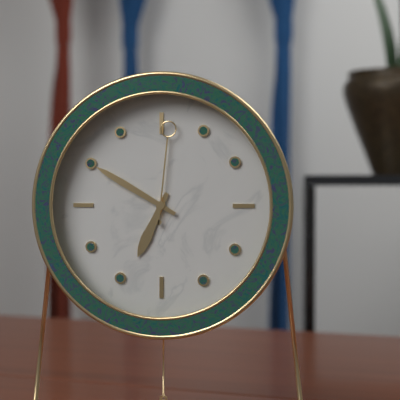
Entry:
6.50.01
